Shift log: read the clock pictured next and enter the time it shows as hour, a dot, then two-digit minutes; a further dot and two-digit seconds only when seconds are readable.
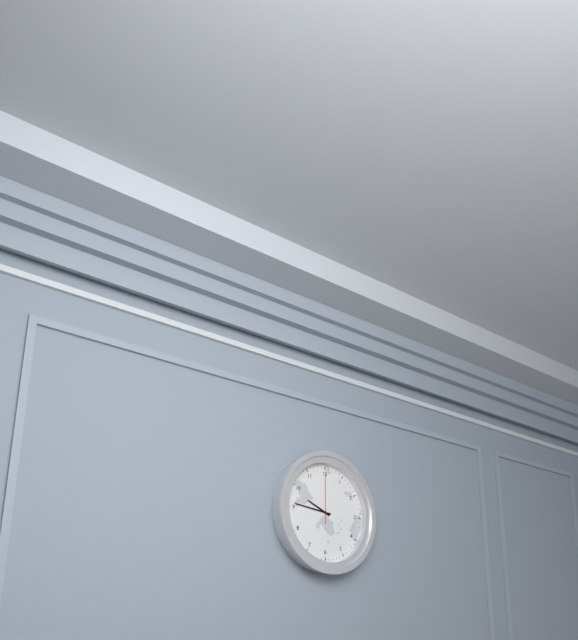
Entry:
9.46.00
